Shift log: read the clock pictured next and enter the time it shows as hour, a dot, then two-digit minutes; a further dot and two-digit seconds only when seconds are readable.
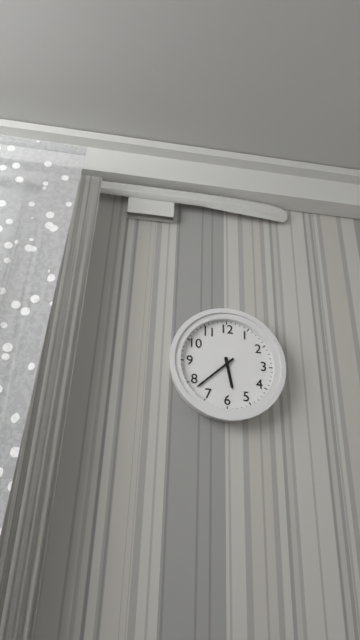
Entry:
5.38
